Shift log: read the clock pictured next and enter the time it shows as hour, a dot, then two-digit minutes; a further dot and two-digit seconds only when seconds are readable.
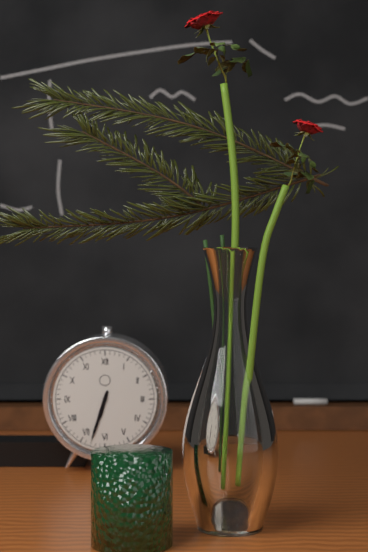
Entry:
6.33
